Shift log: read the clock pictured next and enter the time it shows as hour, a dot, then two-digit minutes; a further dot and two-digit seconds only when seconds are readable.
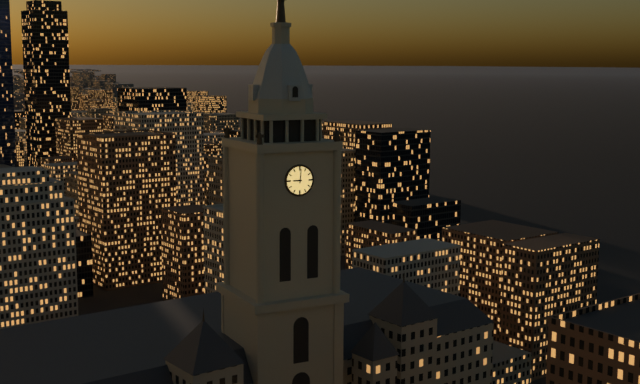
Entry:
9.01
